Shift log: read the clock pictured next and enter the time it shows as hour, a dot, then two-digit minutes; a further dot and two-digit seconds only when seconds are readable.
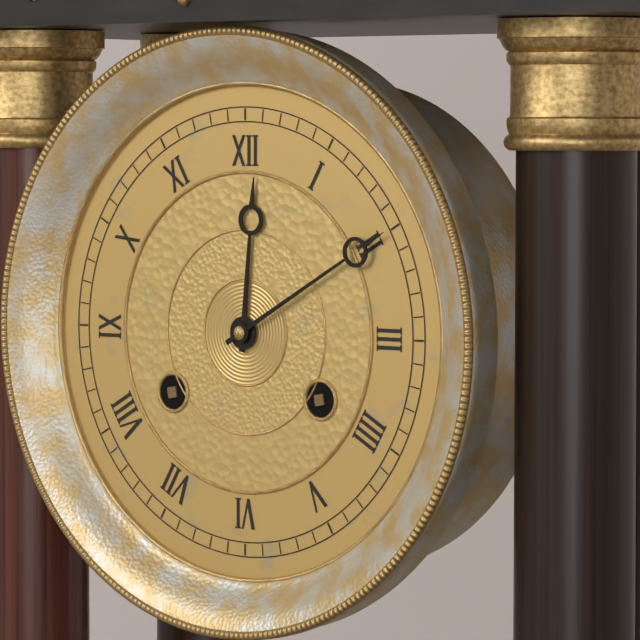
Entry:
12.10
